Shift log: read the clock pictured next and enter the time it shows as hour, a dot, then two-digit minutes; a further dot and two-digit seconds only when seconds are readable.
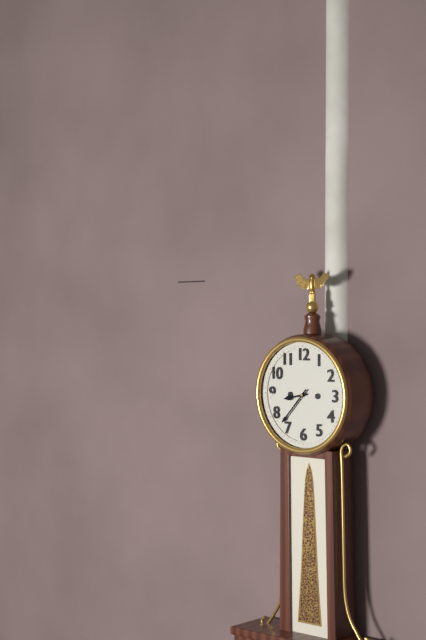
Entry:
8.37
